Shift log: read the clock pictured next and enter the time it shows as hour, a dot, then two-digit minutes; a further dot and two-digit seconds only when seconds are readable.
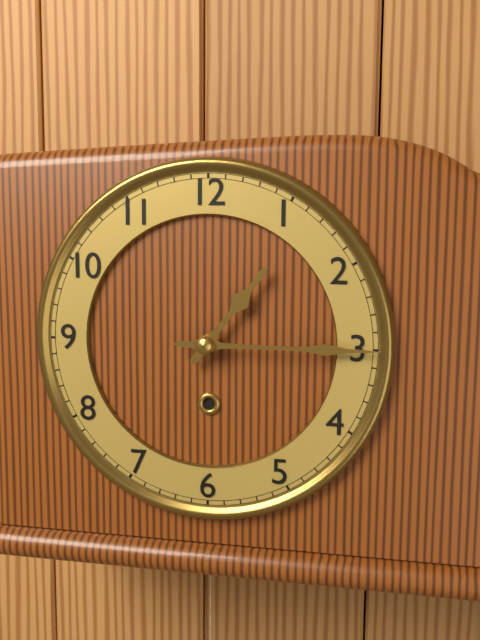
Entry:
1.15
